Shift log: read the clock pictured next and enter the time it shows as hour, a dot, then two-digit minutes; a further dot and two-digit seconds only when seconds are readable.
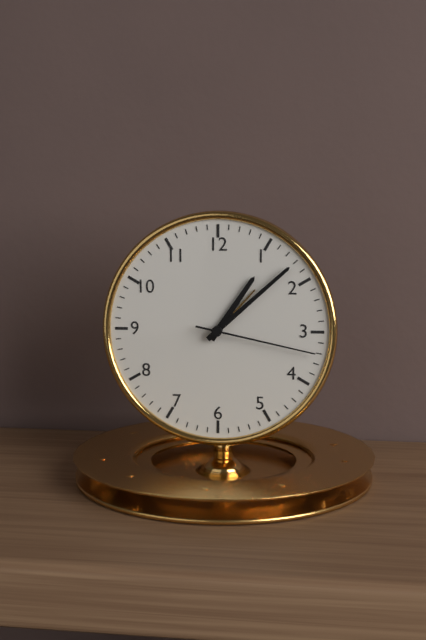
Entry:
1.08.17
